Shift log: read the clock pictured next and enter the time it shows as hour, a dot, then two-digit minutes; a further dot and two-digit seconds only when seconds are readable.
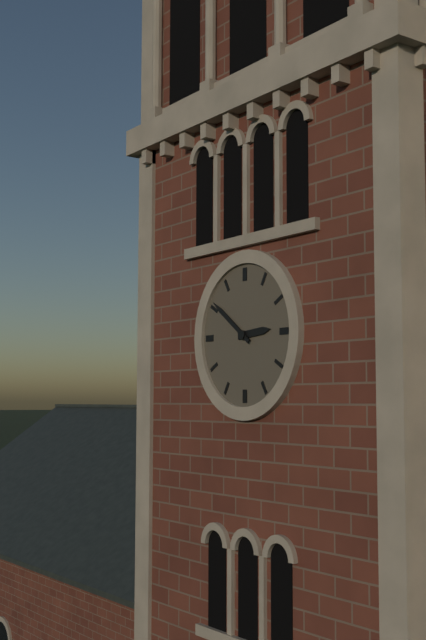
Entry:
2.51
